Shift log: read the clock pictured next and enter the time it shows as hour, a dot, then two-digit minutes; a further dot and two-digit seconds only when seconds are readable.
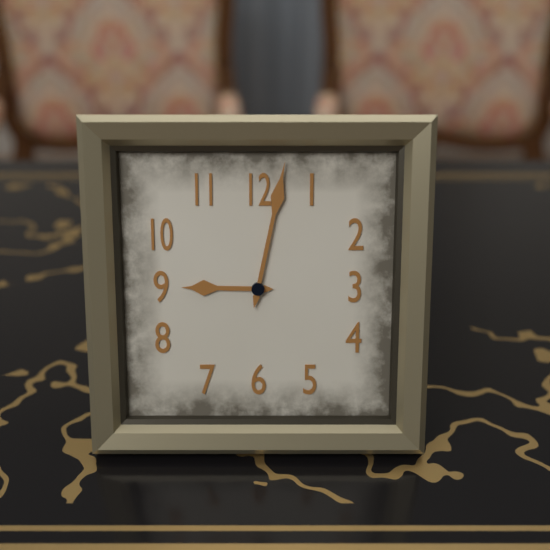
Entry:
9.02
